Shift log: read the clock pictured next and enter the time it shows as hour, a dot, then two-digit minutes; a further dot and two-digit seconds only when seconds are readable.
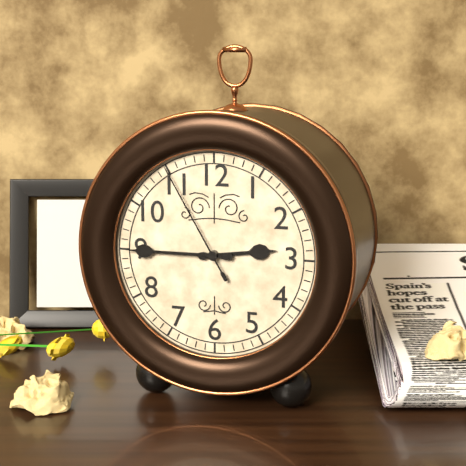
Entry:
2.45.55
